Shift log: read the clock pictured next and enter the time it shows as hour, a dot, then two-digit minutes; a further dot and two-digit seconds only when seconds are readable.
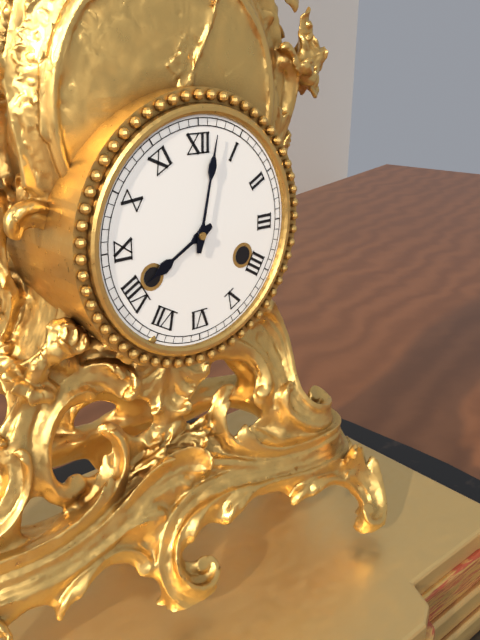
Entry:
8.02
